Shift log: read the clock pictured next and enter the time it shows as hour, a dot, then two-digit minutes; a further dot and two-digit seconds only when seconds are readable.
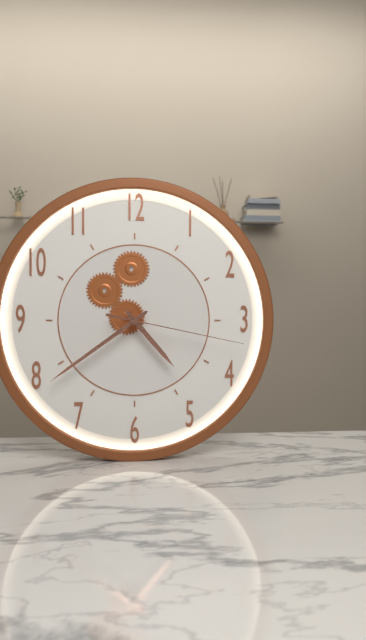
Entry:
4.39.17
